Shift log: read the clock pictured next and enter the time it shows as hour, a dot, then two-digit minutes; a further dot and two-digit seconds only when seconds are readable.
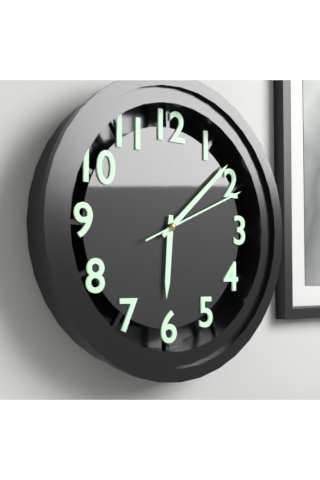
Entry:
6.08.11
